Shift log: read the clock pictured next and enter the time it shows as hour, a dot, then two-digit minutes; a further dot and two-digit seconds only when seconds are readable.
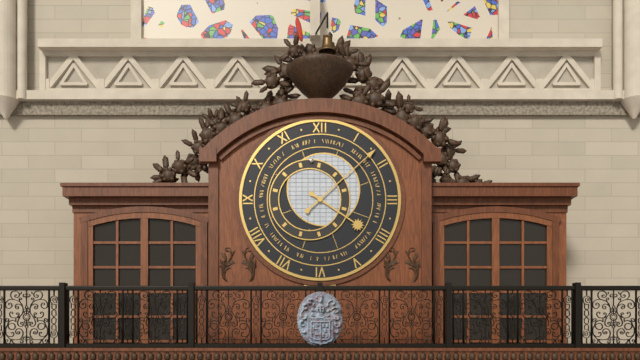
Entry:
4.08
